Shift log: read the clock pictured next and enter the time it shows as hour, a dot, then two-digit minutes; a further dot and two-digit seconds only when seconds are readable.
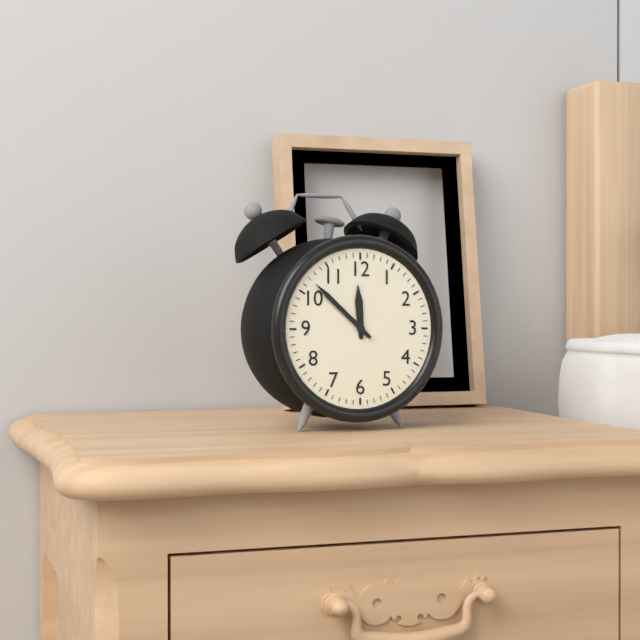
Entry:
11.52
